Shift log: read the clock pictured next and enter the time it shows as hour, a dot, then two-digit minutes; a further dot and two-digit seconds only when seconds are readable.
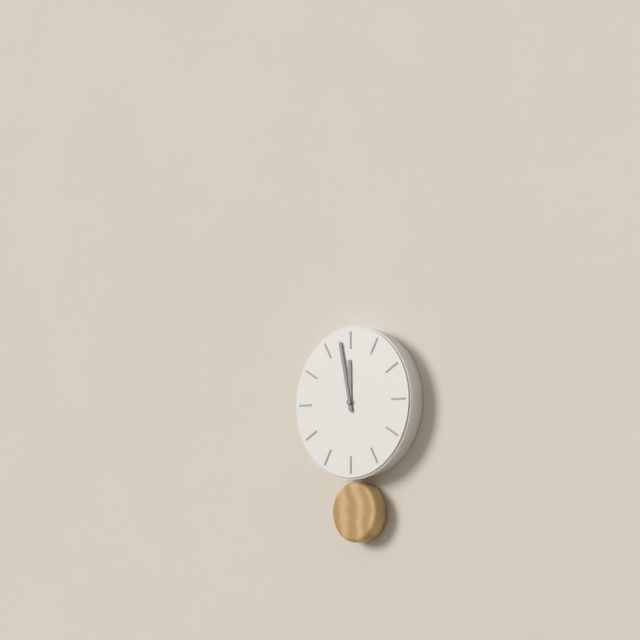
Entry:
11.58
